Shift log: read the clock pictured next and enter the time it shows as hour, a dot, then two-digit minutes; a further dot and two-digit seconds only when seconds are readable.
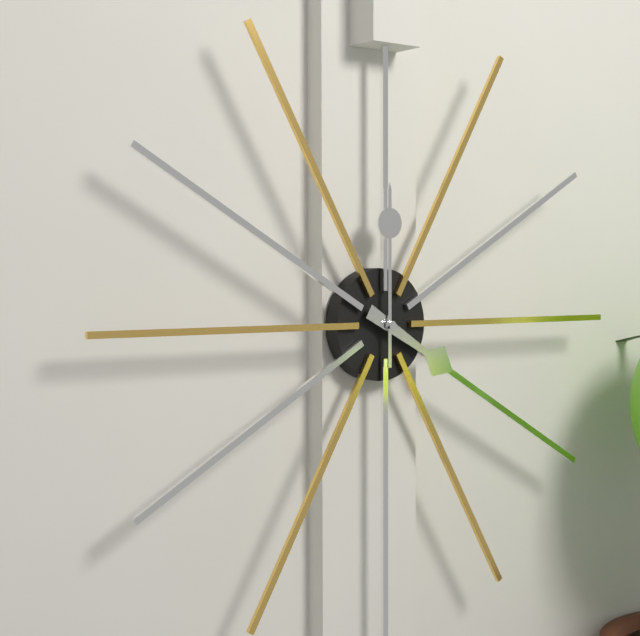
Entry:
4.00
